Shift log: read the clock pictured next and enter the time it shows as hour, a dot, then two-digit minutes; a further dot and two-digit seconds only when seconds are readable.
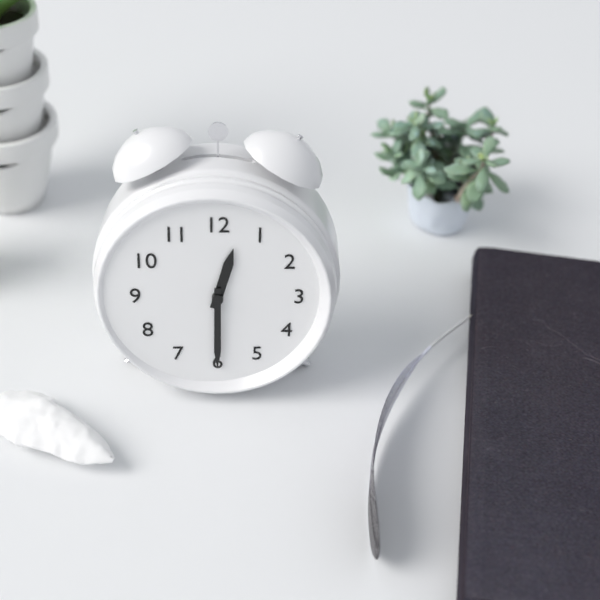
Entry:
12.30
